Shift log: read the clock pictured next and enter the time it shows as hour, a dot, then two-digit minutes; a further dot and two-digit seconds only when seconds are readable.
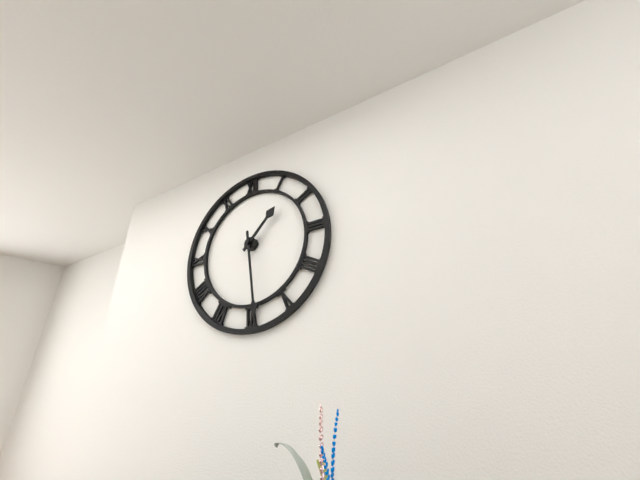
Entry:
1.29
